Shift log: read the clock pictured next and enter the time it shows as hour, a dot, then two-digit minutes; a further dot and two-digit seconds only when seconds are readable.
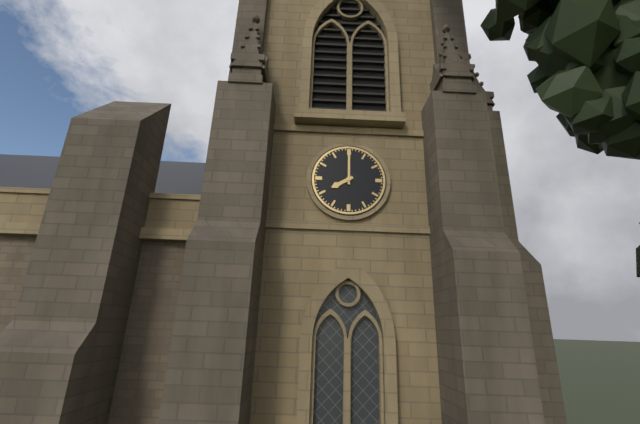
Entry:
8.00
